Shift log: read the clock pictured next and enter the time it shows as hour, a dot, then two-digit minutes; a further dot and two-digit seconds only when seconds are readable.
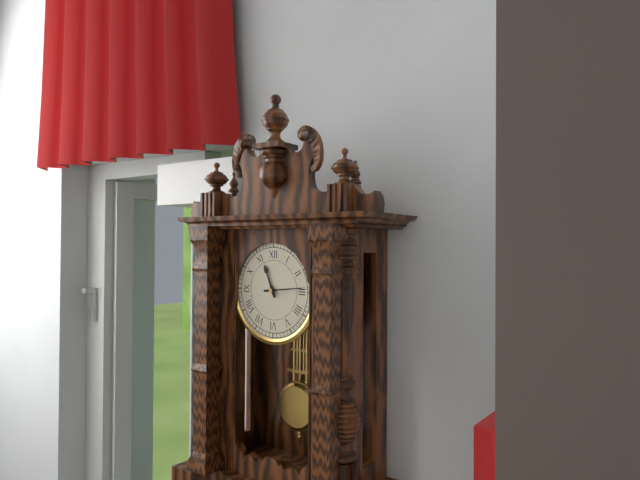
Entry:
11.14
